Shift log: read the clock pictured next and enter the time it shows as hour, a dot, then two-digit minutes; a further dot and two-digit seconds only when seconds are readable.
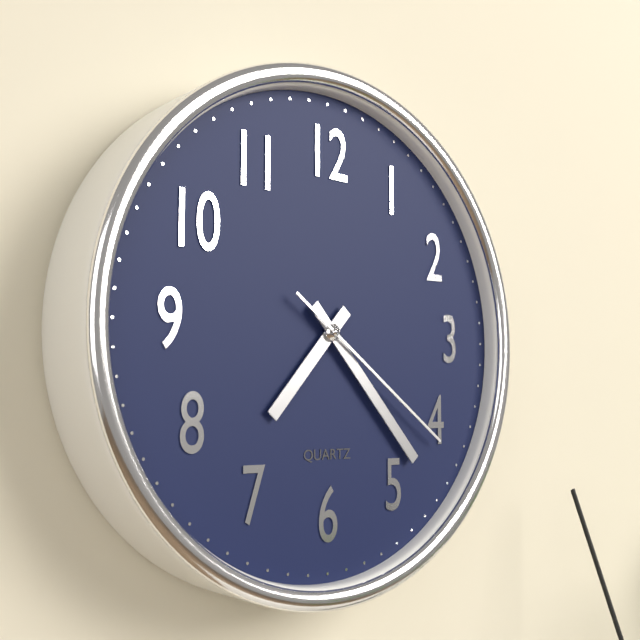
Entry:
7.23.21
